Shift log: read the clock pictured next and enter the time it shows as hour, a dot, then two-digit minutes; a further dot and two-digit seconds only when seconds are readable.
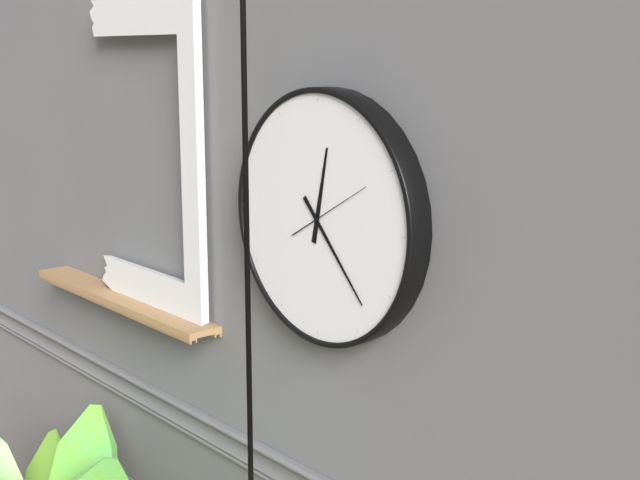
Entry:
12.23.10
